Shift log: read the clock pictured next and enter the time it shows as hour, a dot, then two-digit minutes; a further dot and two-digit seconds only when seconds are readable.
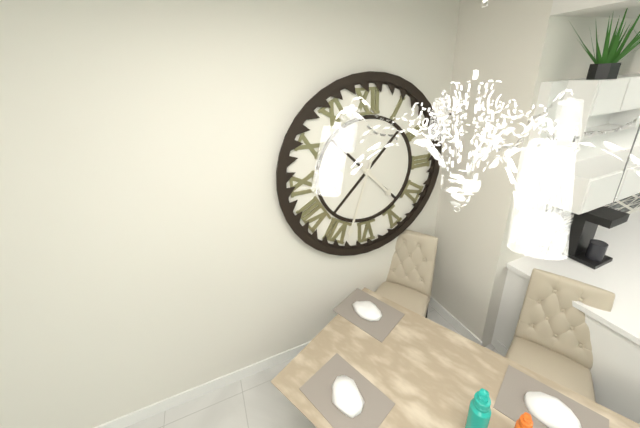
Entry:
4.33
